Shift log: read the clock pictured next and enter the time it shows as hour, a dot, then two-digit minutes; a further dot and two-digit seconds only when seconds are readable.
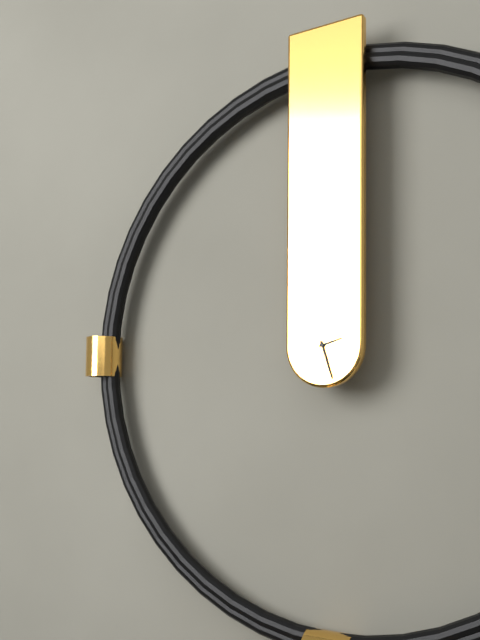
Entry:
2.27
